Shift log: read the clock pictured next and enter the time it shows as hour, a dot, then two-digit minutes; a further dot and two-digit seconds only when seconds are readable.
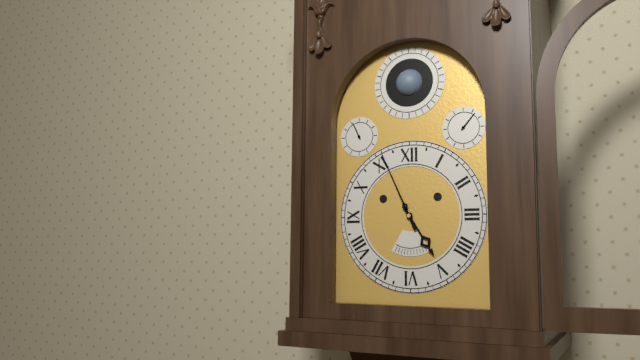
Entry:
4.56
